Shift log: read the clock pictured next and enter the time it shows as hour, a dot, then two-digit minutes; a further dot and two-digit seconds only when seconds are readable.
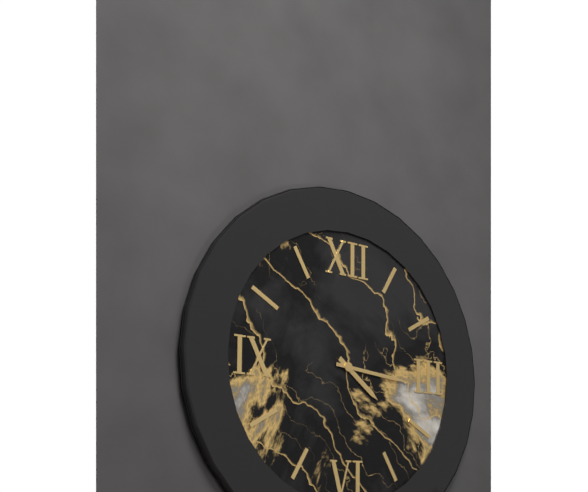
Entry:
4.16
